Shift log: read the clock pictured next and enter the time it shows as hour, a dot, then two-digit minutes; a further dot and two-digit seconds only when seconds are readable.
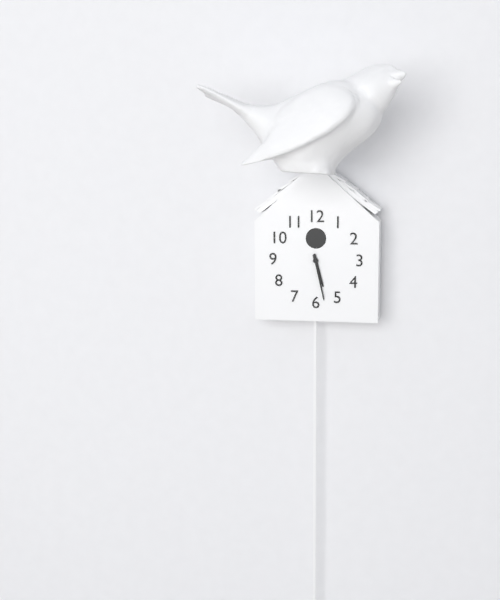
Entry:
5.28
